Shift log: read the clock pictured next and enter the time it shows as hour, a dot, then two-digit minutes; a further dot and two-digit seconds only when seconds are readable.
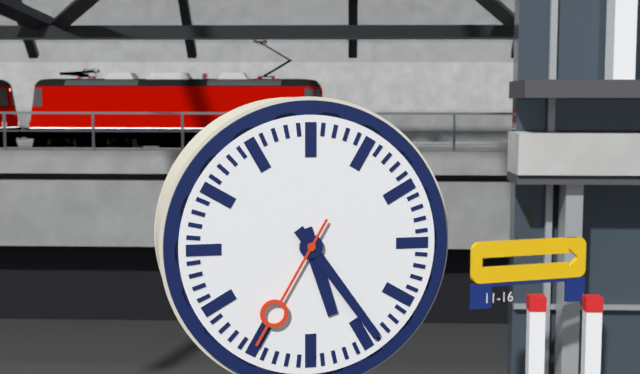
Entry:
5.24.35
